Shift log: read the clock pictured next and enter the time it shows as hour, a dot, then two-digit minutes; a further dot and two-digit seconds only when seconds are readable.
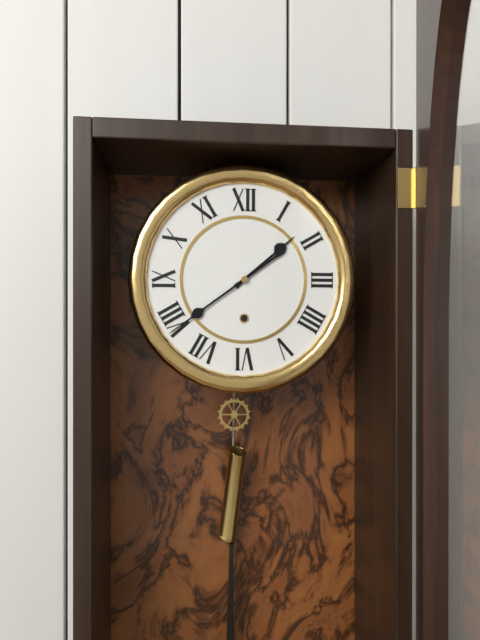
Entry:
1.39
